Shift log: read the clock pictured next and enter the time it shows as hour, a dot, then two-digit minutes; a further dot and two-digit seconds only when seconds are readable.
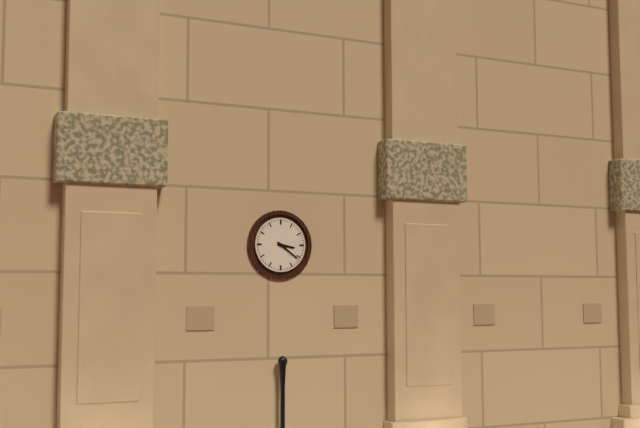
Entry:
3.21
